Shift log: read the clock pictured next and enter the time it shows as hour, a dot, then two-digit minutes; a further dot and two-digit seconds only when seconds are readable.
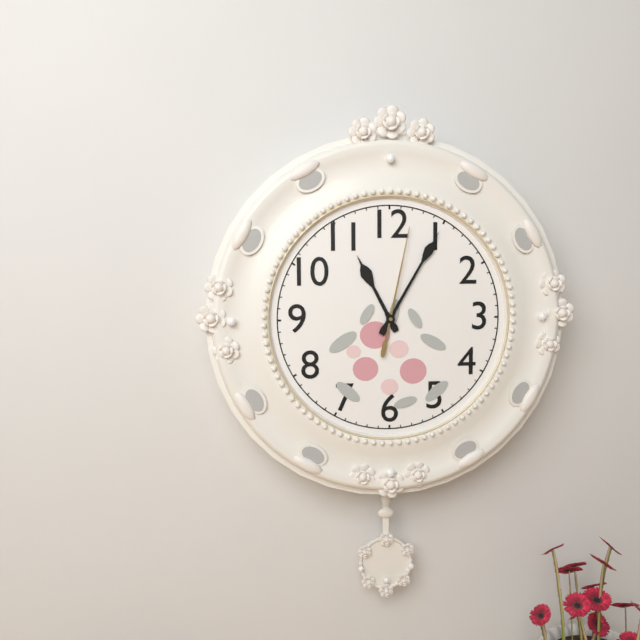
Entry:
11.05.02
